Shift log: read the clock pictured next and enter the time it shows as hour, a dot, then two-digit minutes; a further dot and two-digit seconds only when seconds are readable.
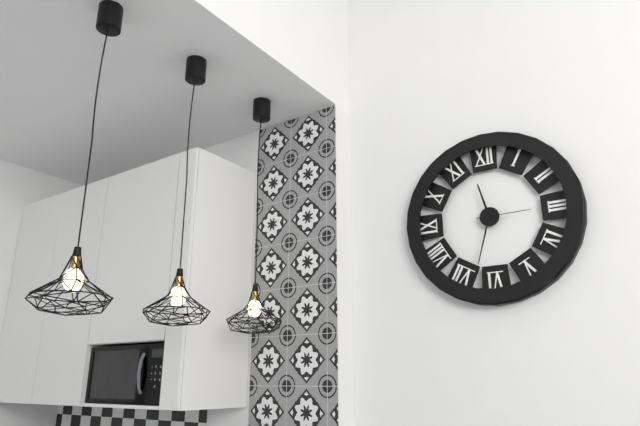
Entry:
11.33.15
